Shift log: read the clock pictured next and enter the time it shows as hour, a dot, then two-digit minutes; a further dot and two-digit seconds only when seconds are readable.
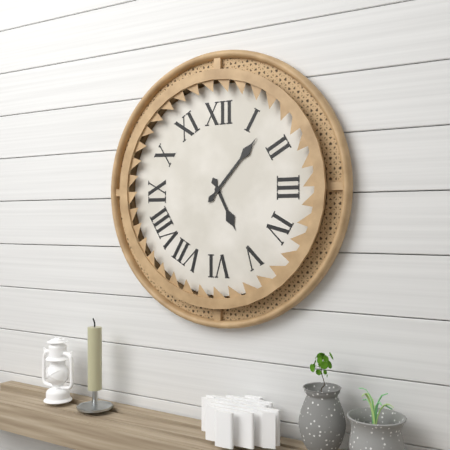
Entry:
5.07
